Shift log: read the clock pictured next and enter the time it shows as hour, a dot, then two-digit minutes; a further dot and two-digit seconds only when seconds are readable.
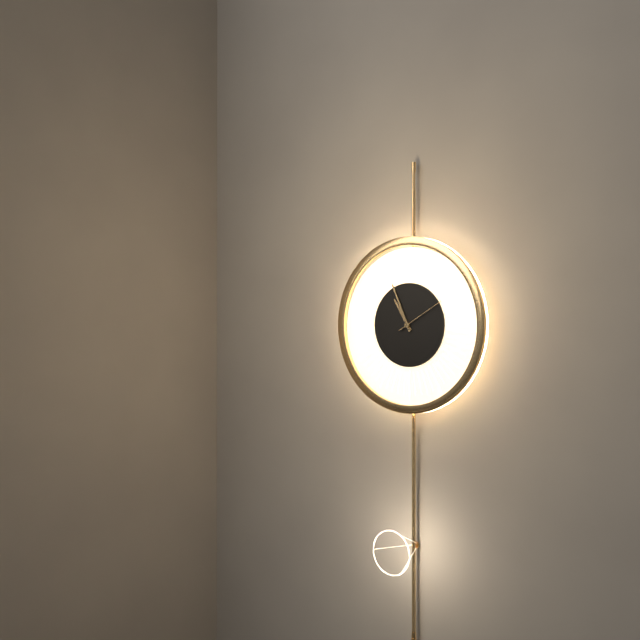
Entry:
10.56.10
